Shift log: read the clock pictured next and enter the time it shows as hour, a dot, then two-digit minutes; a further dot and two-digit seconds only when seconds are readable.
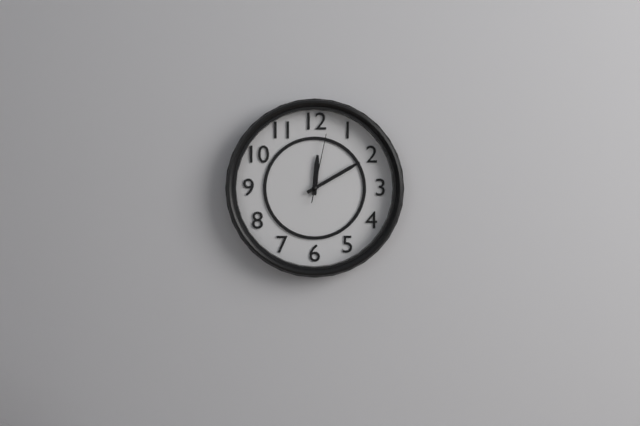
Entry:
12.10.02
